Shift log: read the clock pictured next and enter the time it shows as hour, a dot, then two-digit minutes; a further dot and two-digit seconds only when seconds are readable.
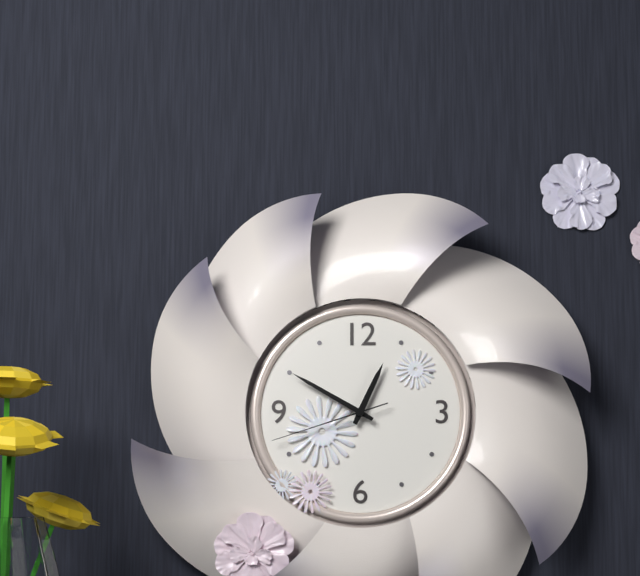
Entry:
12.50.42
